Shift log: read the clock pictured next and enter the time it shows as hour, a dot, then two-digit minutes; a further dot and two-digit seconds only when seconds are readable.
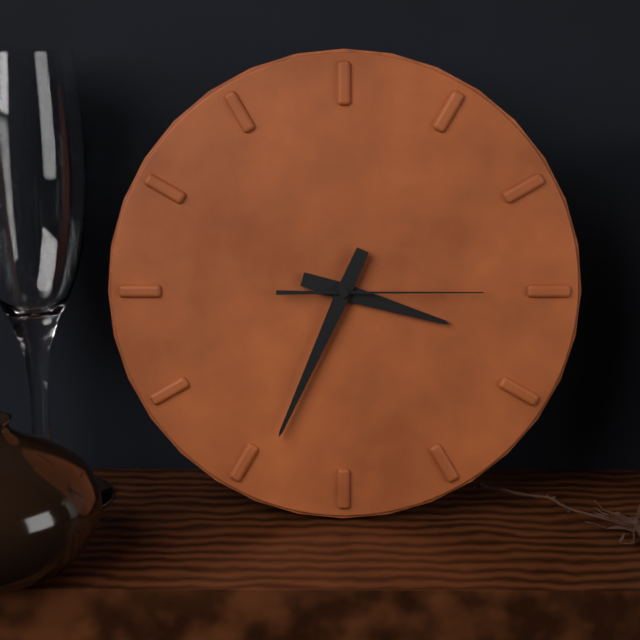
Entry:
3.34.15
